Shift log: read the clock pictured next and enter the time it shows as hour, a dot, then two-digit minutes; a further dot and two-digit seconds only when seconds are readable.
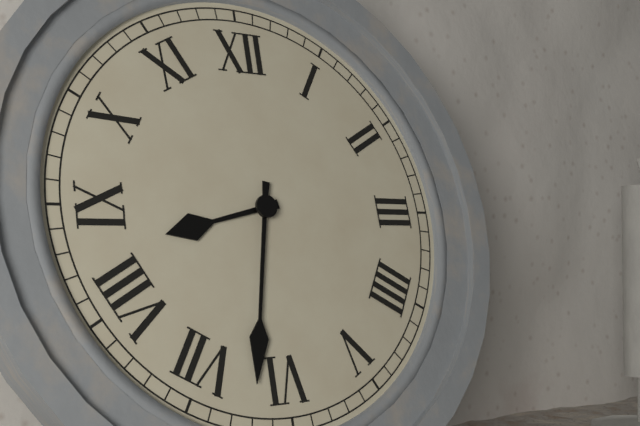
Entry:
8.32
